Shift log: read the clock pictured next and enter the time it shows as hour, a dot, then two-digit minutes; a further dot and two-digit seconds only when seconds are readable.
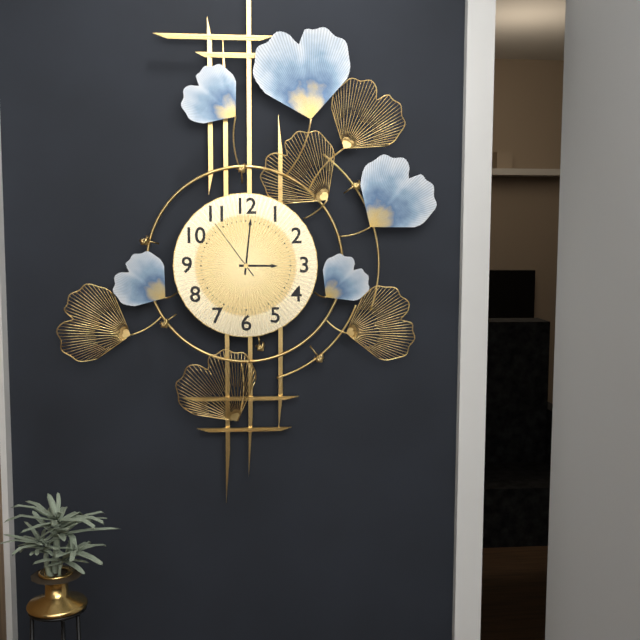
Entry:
3.01.54
